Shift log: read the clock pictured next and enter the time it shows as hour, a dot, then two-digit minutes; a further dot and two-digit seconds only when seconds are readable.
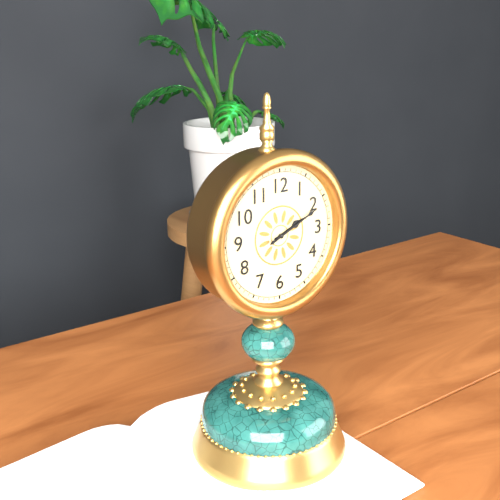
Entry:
2.11
